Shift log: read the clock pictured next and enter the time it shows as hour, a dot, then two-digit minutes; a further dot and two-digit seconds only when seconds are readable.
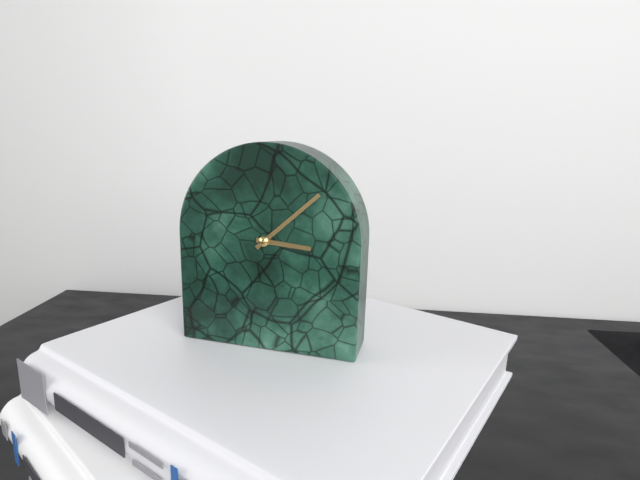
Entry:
3.08
